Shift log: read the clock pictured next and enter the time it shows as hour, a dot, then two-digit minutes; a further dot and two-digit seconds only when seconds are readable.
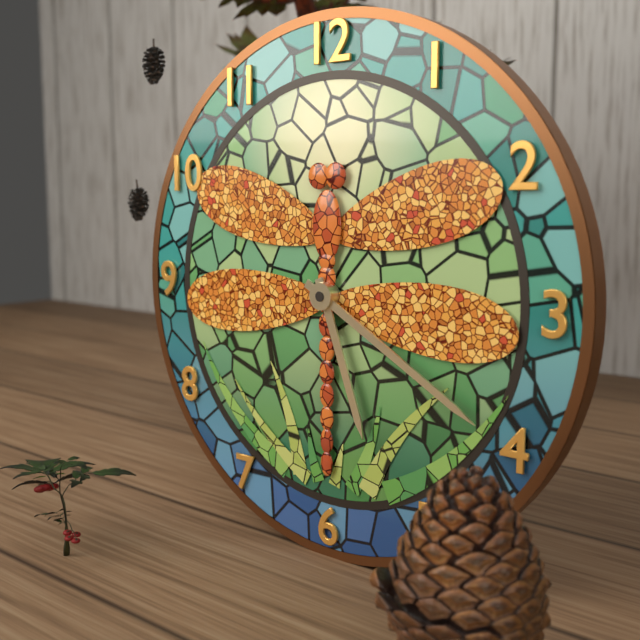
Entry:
5.20
